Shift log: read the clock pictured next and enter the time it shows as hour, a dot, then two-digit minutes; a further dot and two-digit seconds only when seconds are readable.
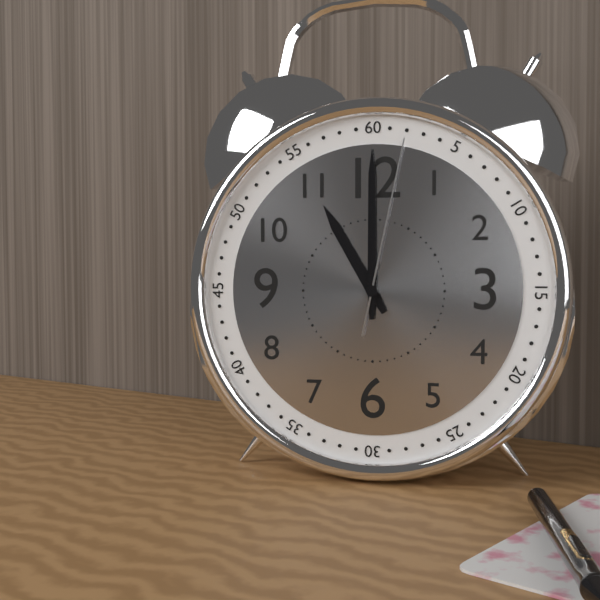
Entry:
11.00.02
